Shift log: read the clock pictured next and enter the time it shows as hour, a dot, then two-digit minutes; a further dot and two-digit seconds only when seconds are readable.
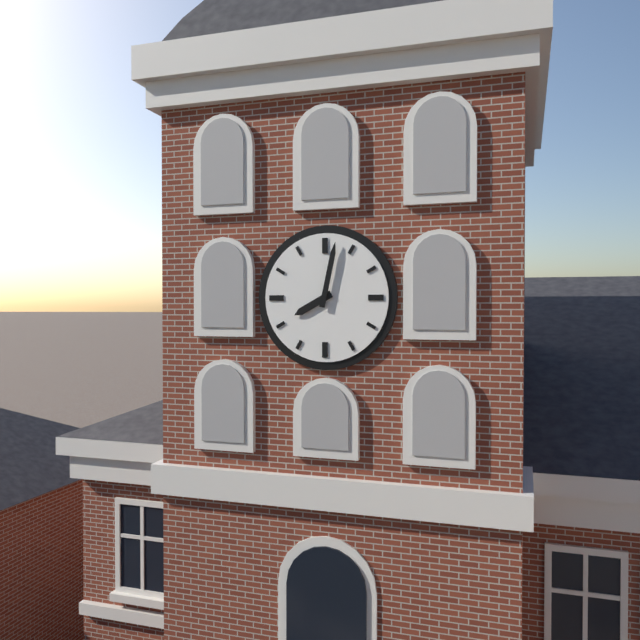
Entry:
8.02
